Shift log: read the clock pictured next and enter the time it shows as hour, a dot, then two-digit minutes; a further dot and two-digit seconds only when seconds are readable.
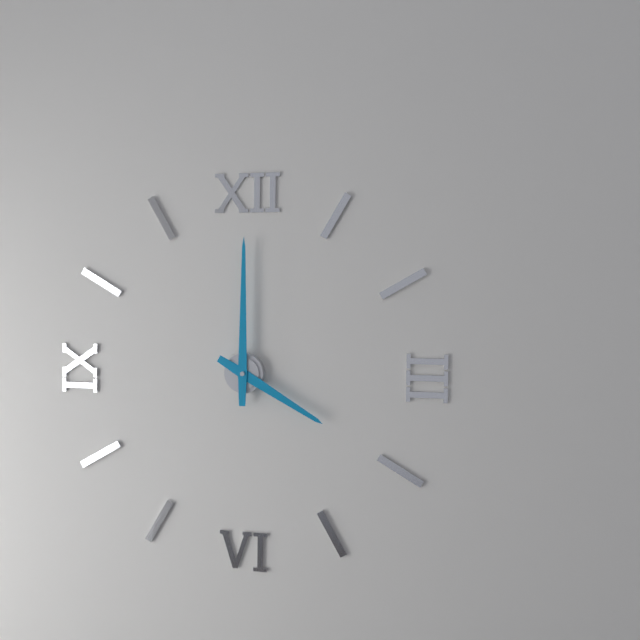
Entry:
4.00
